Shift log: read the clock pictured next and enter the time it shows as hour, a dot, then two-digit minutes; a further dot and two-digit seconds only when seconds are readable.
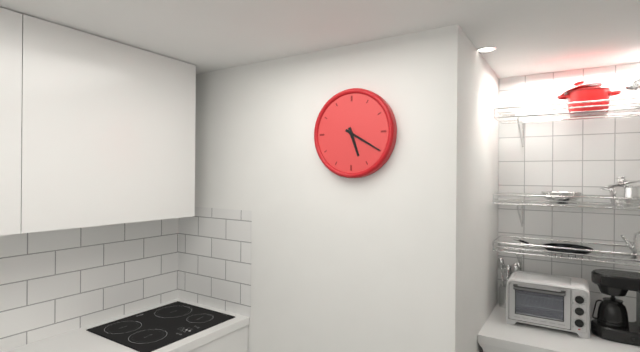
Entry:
5.20
